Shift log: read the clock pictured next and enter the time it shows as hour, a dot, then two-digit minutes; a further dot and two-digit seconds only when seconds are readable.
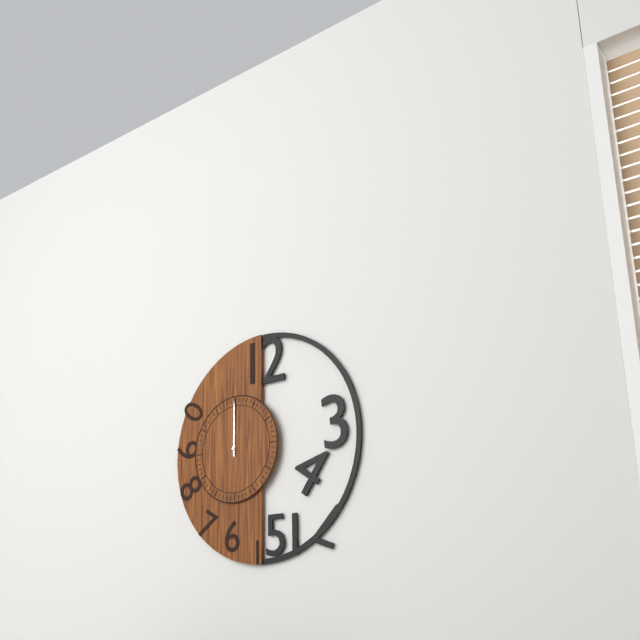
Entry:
12.00
